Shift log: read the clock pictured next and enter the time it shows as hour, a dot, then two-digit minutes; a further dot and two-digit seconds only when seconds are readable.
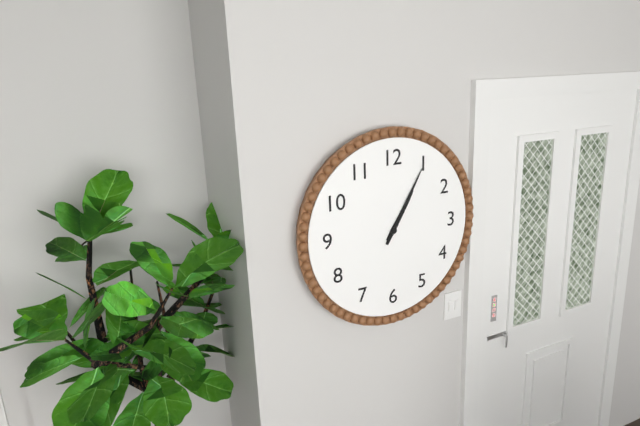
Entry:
1.05
